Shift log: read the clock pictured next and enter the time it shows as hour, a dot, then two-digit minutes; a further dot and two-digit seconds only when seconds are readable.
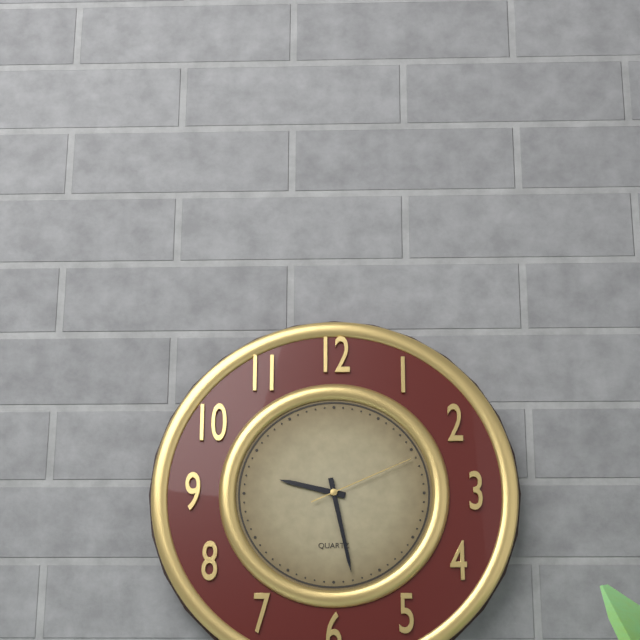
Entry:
9.28.11
